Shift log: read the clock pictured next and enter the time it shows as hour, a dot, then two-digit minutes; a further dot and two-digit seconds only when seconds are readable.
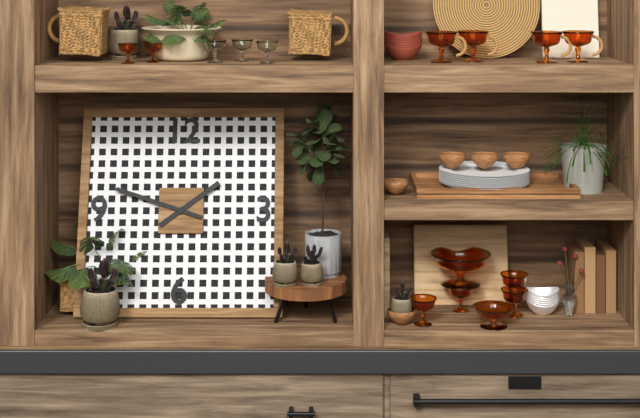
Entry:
1.48
